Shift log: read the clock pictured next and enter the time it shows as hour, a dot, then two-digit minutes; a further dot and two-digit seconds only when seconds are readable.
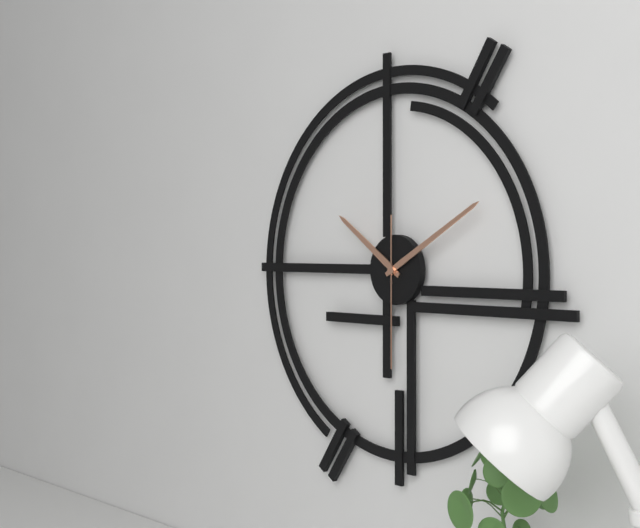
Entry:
10.10.30
